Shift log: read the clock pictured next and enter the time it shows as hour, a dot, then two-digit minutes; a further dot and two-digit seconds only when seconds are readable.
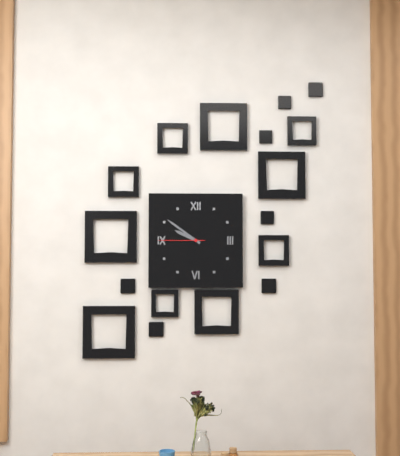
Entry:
9.51
